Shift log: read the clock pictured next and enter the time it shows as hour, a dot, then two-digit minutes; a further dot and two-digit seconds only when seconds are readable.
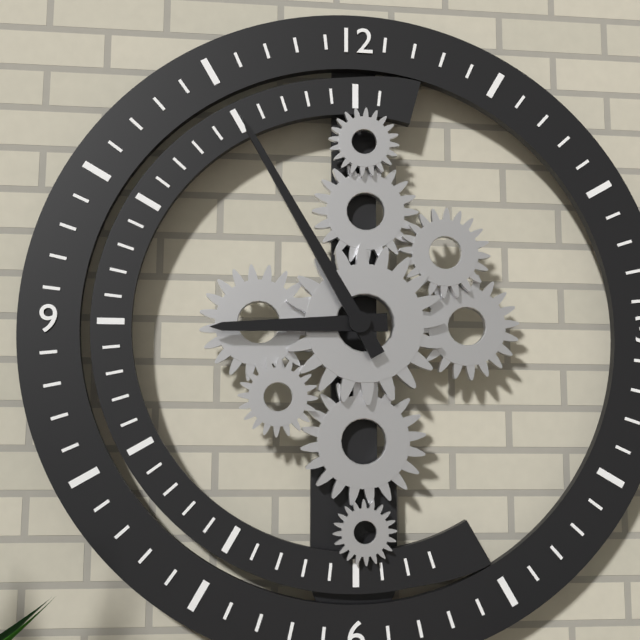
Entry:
8.55
